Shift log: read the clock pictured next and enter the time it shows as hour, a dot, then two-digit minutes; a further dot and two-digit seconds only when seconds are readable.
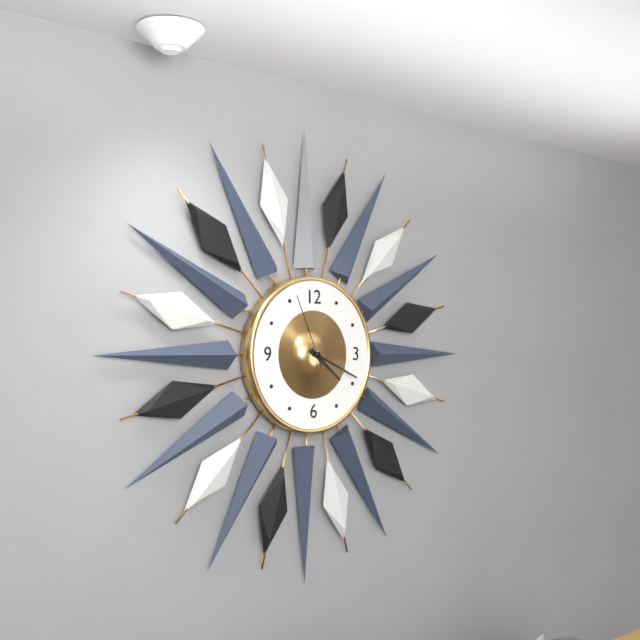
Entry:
4.19.56
